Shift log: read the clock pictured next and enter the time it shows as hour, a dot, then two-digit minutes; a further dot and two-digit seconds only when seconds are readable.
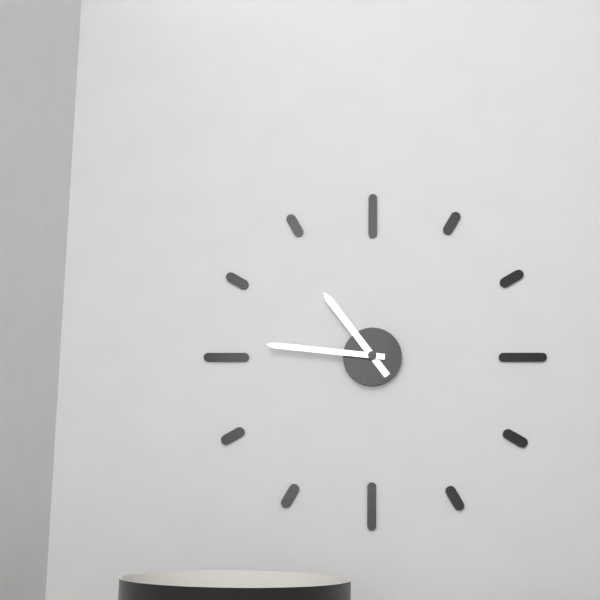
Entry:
10.46
